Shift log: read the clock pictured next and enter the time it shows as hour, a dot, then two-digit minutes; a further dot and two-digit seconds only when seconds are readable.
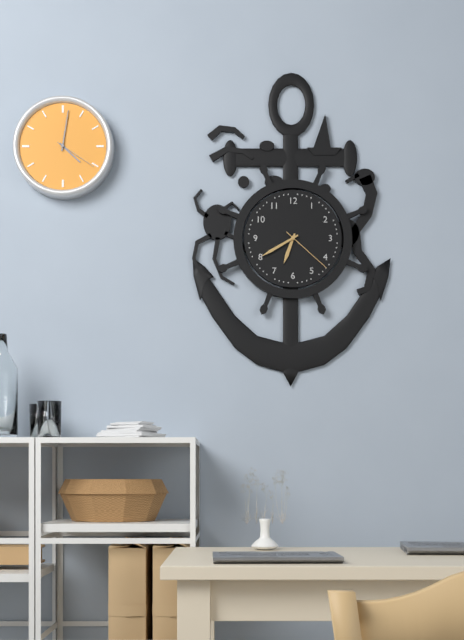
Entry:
6.40.22
